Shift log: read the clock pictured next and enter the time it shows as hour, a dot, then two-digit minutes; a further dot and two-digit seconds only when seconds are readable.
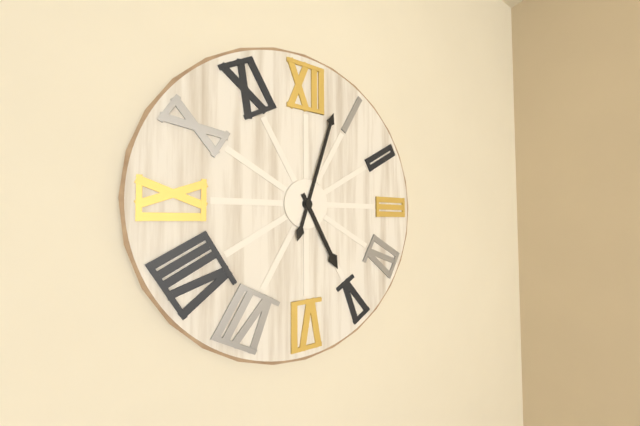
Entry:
5.03
